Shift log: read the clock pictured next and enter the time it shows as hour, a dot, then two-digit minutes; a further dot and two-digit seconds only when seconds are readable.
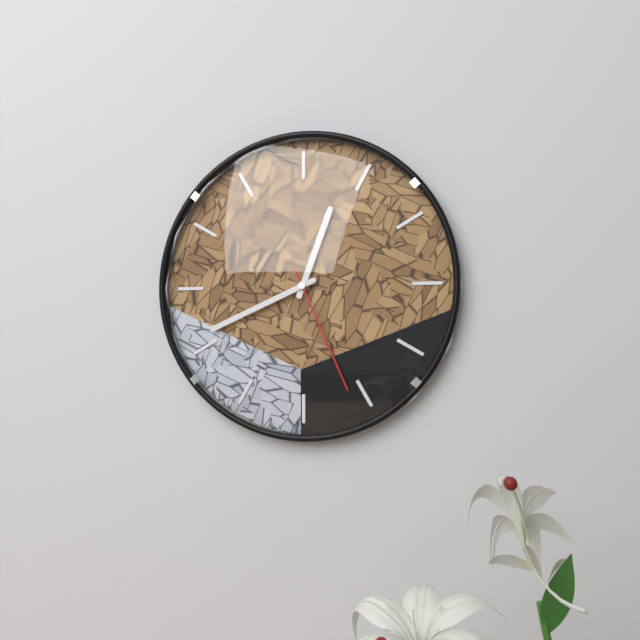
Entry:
12.41.26
